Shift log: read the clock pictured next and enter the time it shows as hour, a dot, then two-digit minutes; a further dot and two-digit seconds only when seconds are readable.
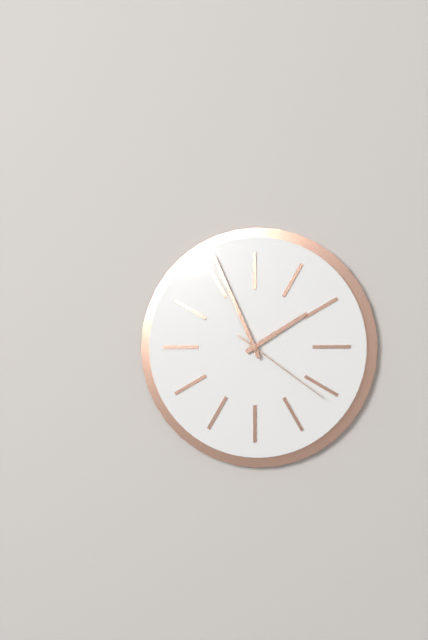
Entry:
1.56.21
